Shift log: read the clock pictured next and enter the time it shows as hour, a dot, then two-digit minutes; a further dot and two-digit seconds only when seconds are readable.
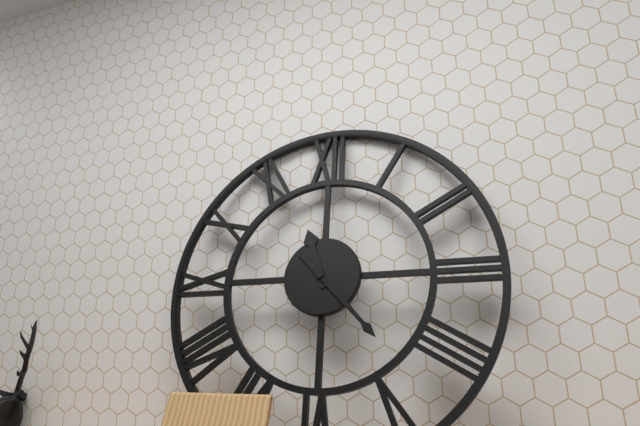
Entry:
11.23
